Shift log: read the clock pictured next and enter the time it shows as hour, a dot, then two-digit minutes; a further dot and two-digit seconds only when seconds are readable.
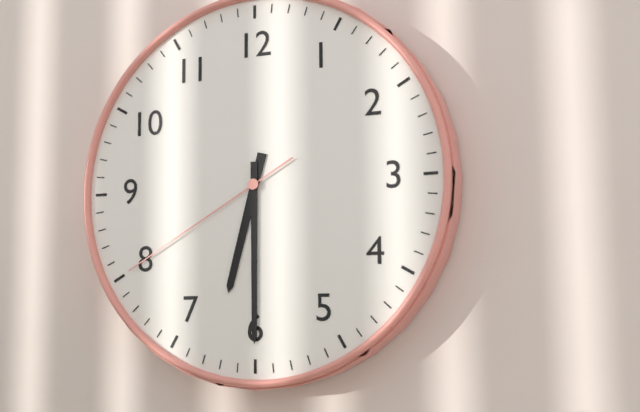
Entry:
6.30.40
